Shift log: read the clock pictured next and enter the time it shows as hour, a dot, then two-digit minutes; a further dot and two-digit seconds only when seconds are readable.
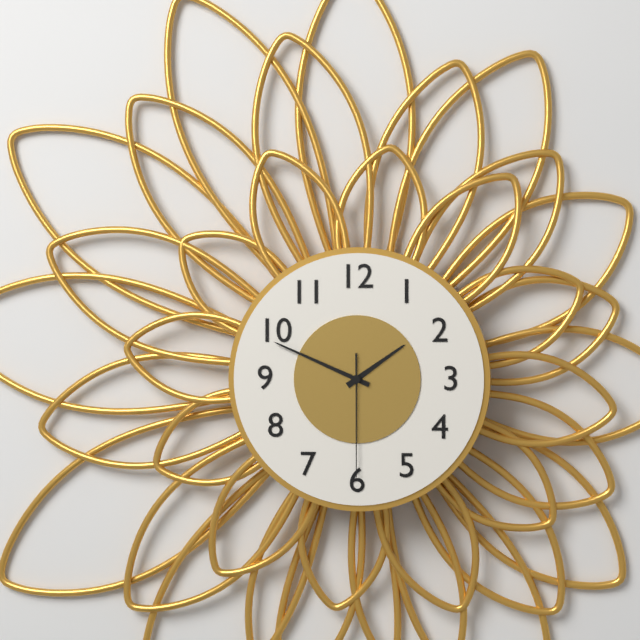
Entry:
1.49.30
